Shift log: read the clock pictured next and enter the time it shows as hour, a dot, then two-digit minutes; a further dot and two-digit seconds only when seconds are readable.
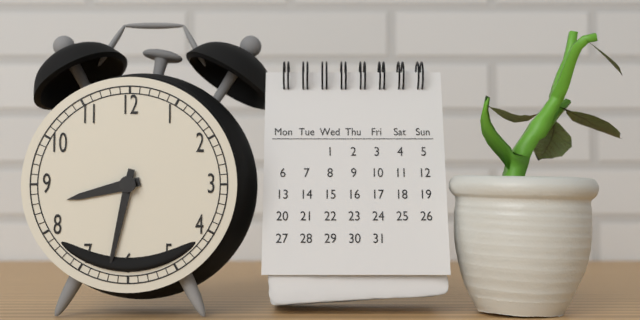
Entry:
8.32
